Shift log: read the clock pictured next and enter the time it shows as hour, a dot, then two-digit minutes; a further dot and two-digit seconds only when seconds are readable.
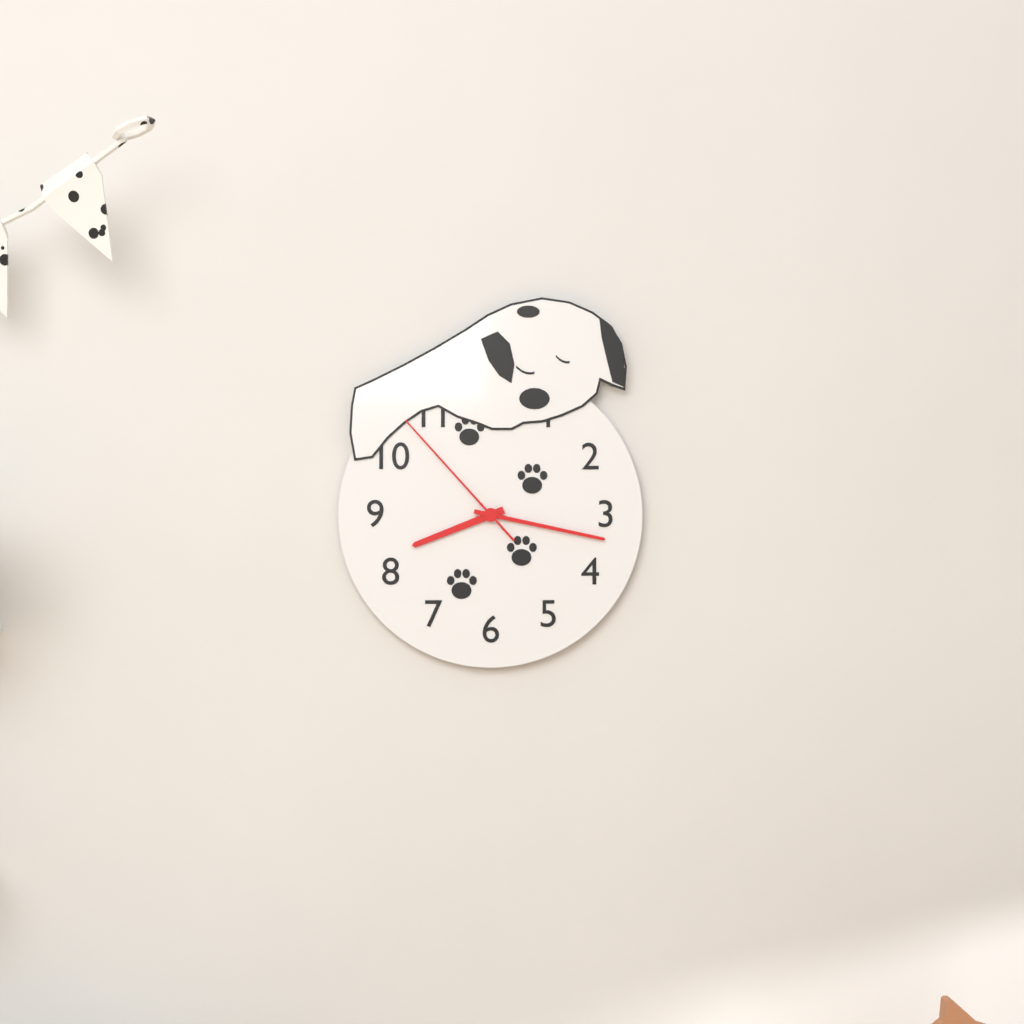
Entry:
8.17.53
